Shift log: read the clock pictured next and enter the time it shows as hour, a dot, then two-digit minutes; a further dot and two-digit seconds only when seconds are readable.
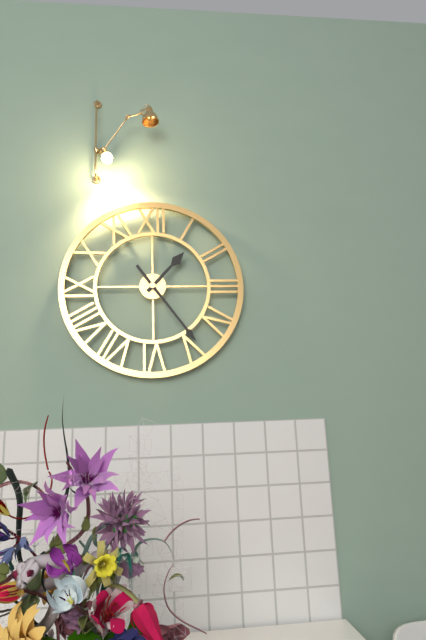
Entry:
1.24
